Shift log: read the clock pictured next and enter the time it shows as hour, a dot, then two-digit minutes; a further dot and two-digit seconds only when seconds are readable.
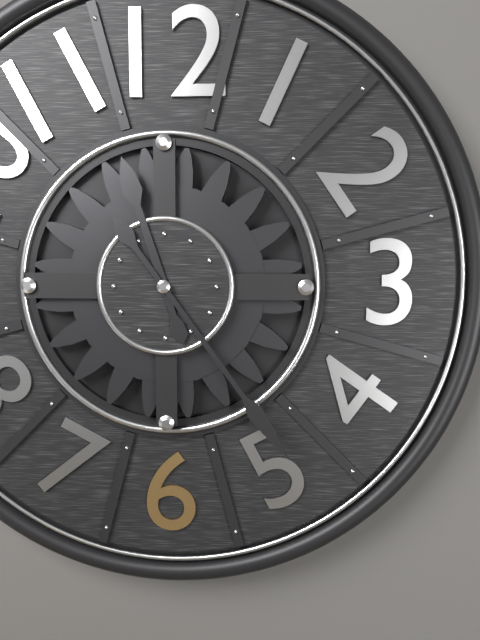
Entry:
11.24
